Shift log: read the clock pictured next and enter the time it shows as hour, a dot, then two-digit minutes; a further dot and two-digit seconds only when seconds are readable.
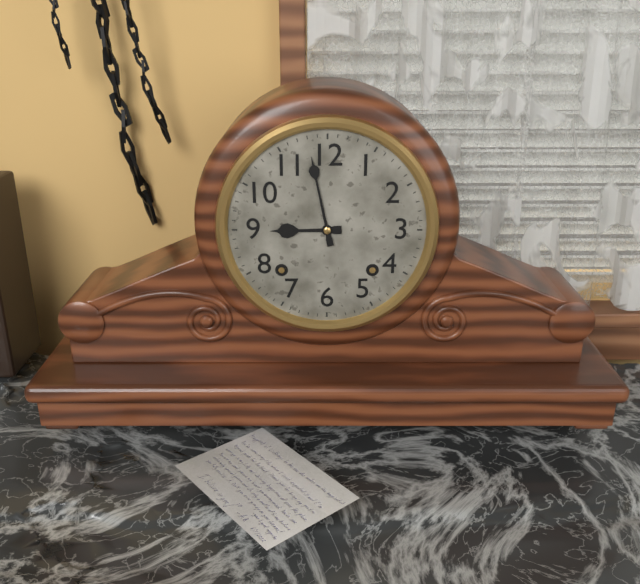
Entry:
8.58
